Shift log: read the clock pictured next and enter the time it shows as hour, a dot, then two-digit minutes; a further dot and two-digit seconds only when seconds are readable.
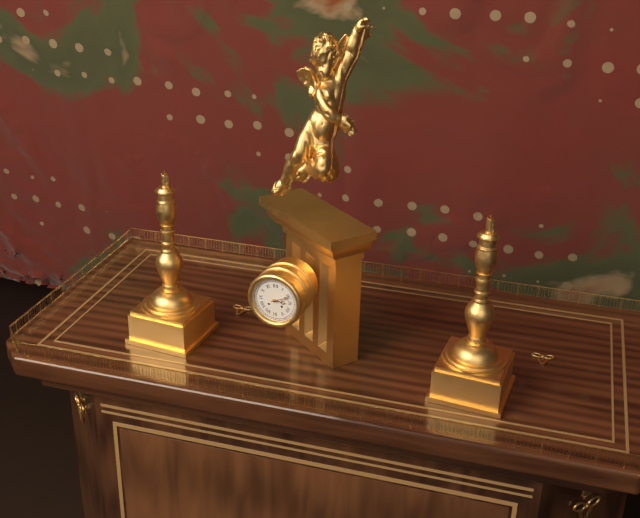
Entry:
3.11
